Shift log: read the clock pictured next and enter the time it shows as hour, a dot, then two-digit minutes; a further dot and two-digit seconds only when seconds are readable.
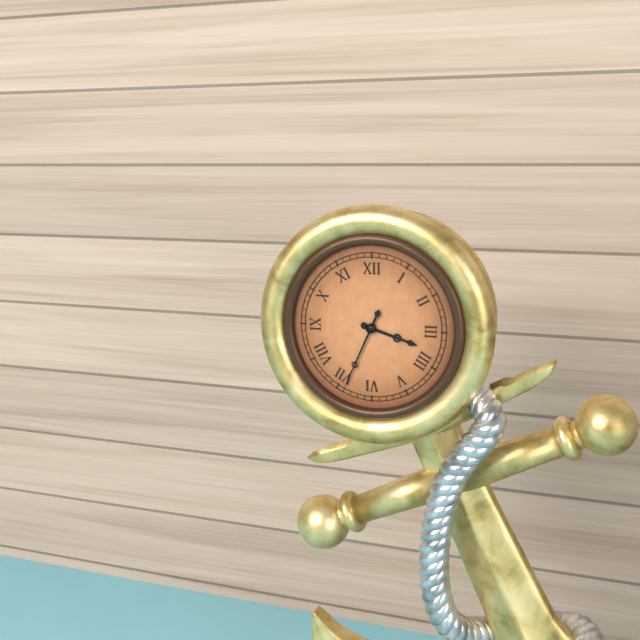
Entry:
3.34
